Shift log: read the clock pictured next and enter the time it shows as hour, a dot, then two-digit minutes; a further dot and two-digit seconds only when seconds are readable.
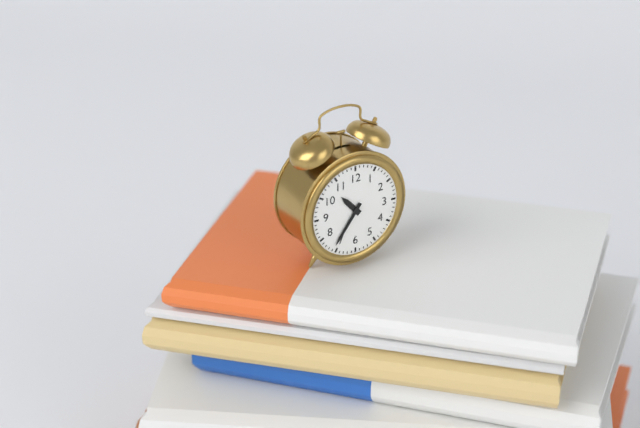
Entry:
10.36
